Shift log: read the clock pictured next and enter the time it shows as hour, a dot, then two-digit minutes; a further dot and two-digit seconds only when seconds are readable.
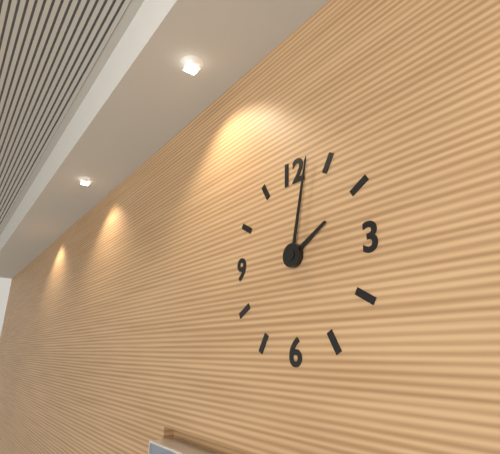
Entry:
2.02
